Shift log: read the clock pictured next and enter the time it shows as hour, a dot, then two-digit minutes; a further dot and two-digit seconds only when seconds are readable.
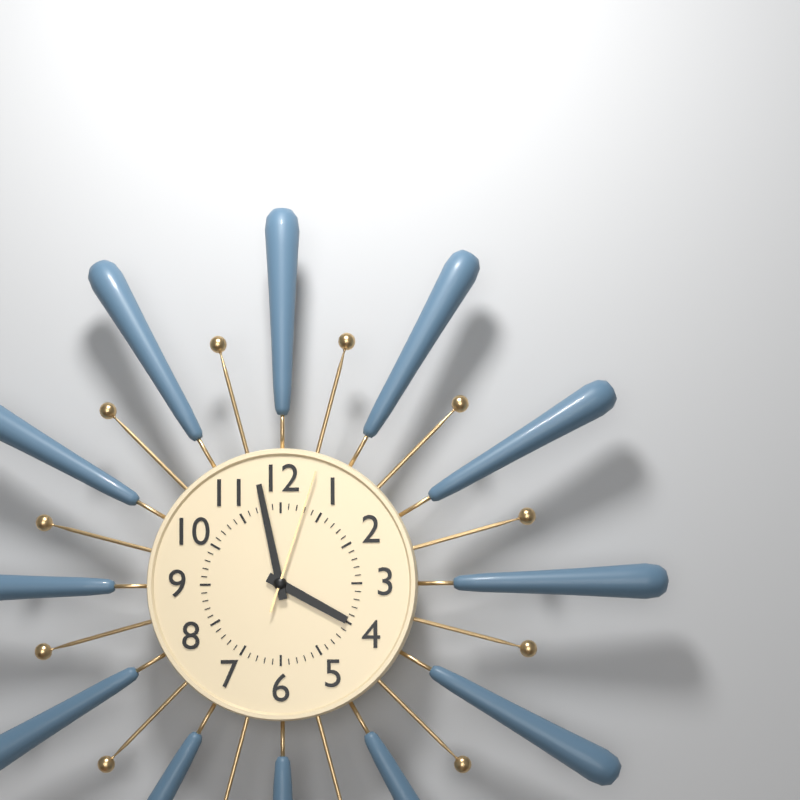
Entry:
3.58.03
